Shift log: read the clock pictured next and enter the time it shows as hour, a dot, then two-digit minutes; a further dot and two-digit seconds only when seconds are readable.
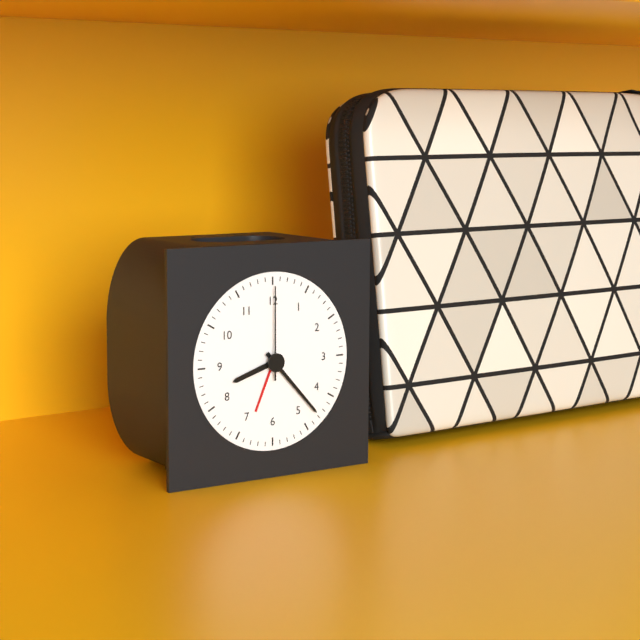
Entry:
8.23.00
